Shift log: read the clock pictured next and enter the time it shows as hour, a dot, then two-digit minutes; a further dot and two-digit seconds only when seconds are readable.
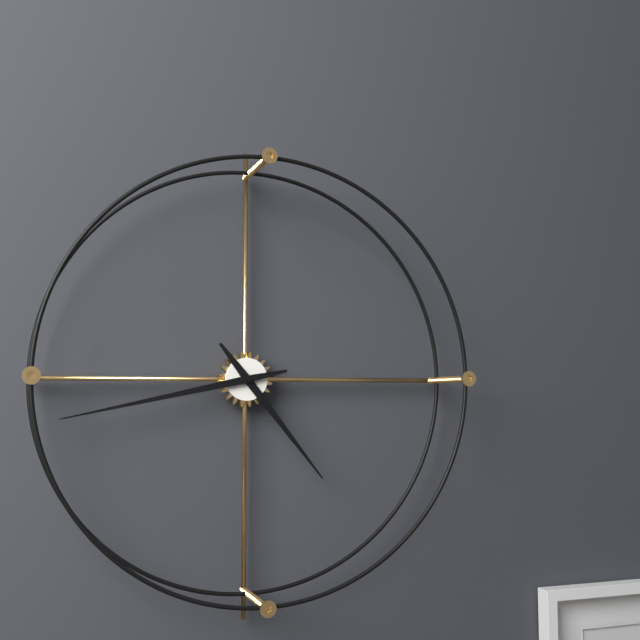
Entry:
4.43
